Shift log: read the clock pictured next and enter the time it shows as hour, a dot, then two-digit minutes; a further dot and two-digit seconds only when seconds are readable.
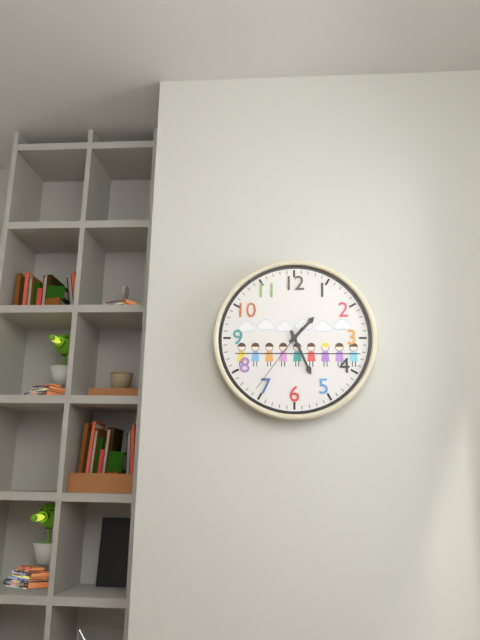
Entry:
1.26.36
